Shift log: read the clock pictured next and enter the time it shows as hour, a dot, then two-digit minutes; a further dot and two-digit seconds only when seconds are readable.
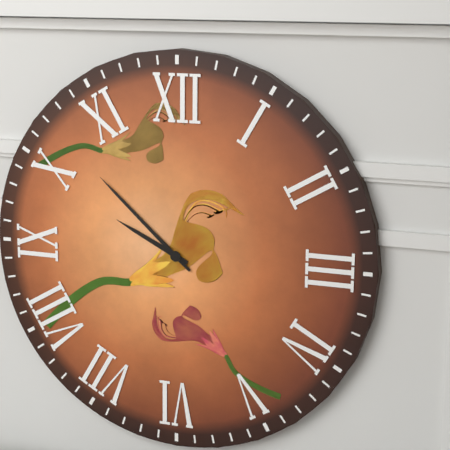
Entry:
9.52
